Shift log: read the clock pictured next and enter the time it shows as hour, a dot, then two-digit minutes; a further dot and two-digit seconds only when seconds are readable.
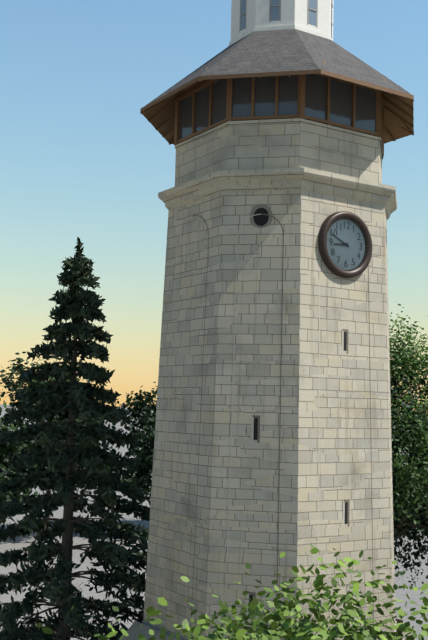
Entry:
8.49
